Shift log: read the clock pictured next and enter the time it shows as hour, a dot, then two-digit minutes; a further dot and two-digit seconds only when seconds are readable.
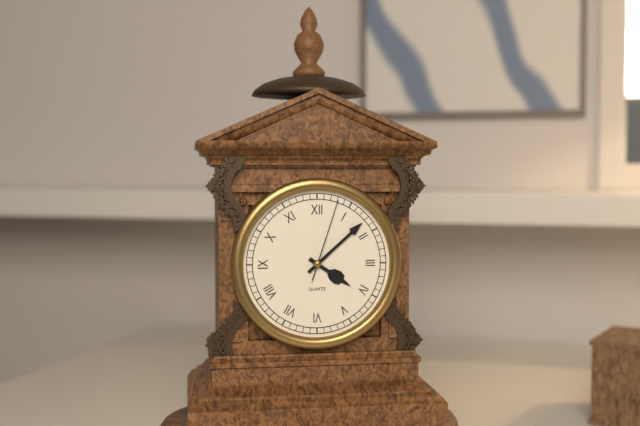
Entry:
4.08.03
